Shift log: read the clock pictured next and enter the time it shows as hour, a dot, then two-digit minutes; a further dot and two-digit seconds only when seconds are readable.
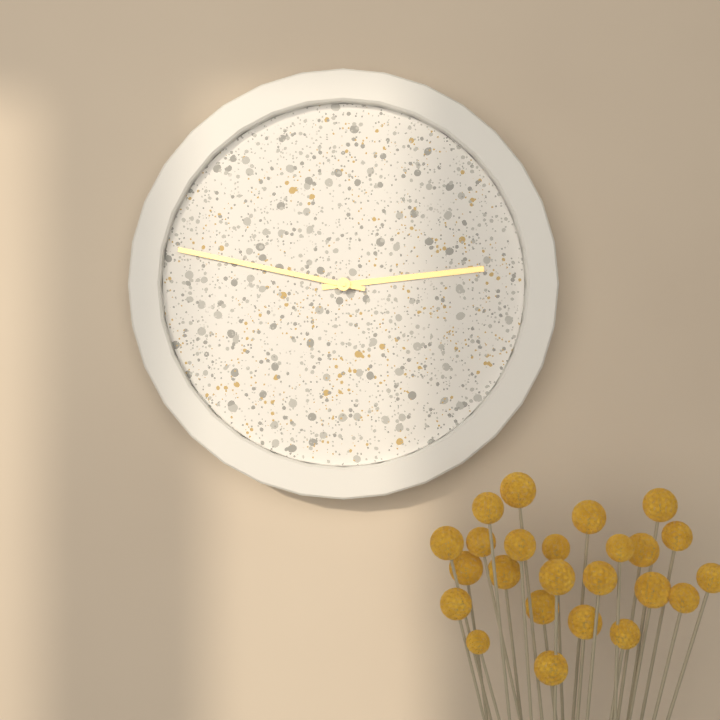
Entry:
2.47
